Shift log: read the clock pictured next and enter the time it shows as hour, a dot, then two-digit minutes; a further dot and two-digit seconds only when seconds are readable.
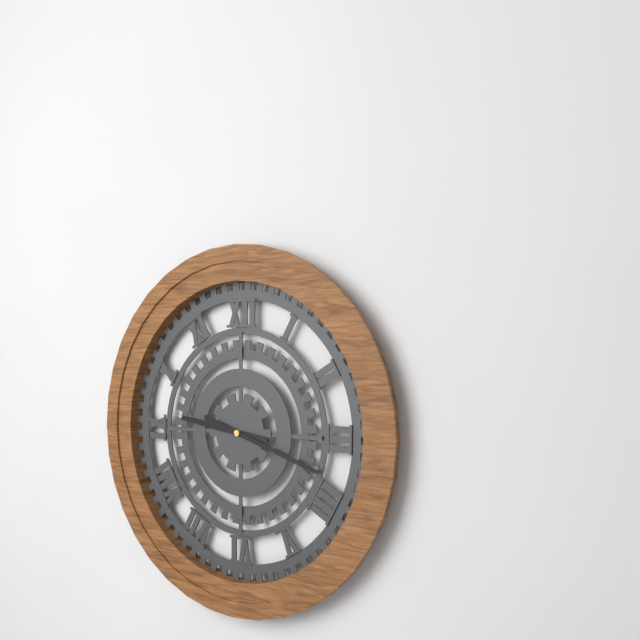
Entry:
9.18
